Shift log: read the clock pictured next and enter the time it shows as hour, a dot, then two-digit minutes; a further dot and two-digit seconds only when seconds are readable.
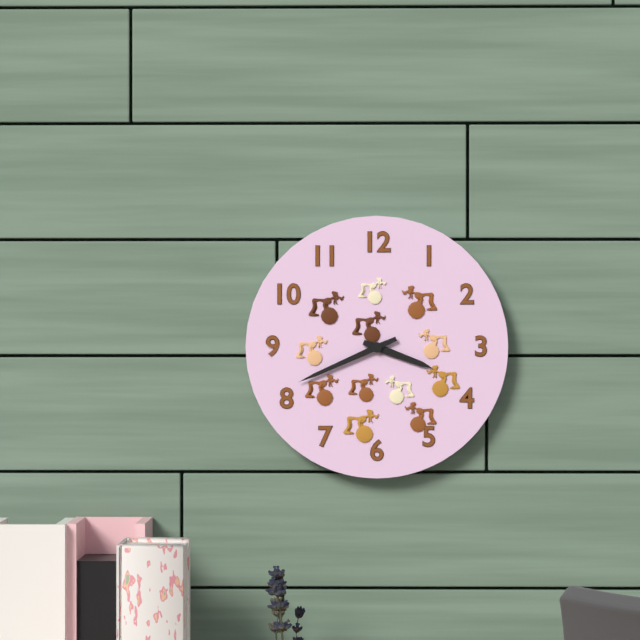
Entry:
3.41
